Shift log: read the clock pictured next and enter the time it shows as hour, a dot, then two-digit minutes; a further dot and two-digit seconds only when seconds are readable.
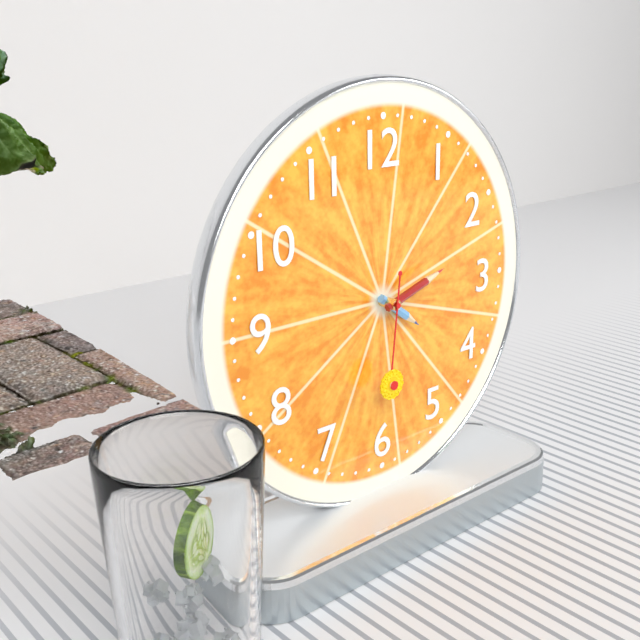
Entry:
4.12.31
